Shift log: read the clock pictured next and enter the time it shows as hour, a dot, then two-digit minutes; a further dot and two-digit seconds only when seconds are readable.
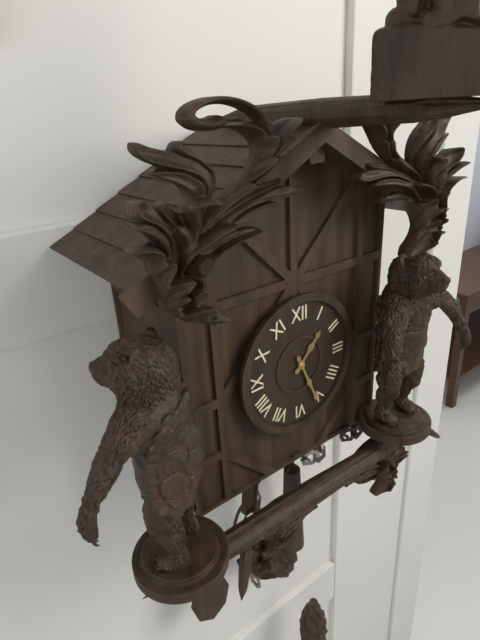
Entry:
1.26
